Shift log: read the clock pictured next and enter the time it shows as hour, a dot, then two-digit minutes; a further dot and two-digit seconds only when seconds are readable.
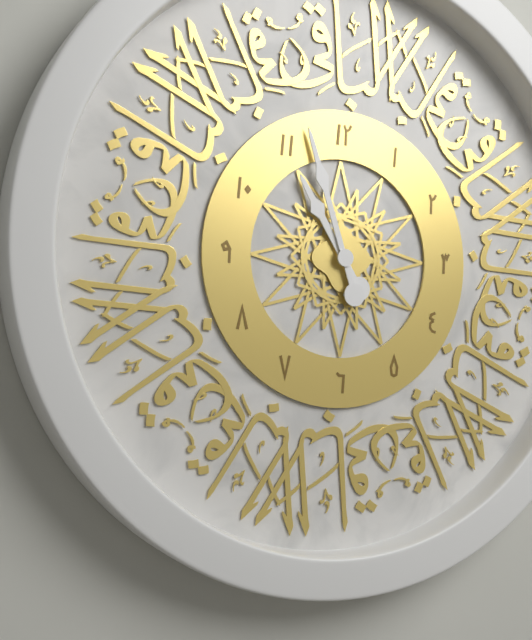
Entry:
10.57
